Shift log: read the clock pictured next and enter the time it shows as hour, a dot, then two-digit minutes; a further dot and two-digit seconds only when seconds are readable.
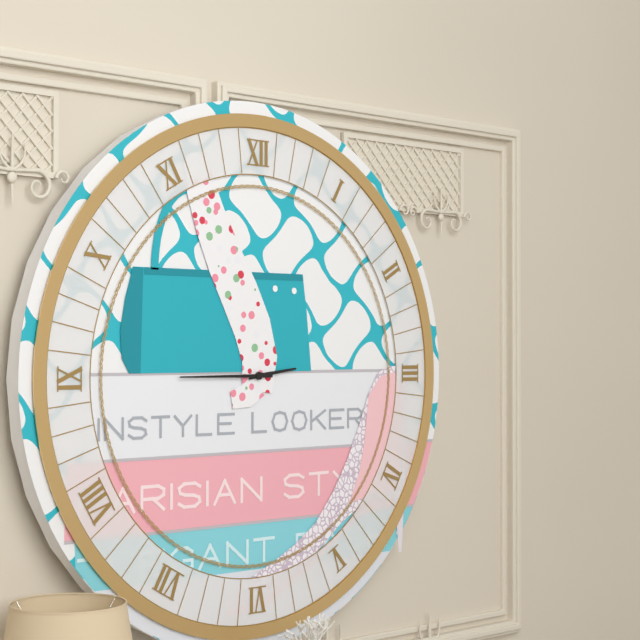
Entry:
2.45
